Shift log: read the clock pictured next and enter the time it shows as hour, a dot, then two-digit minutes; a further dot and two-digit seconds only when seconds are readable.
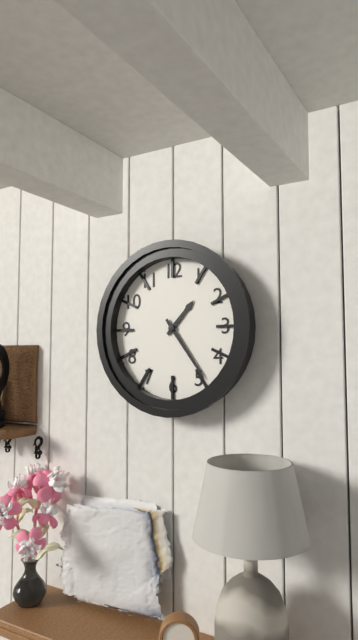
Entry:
1.24
